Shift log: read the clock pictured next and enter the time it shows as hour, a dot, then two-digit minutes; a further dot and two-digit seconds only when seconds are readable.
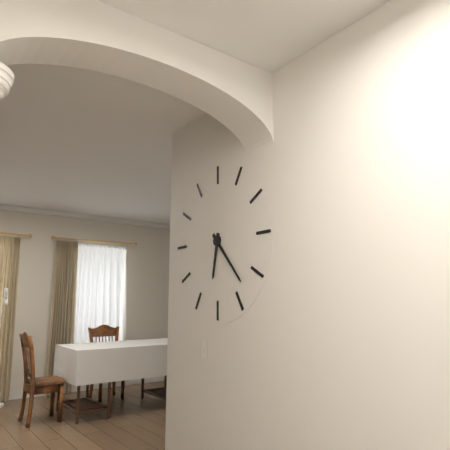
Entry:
6.23
